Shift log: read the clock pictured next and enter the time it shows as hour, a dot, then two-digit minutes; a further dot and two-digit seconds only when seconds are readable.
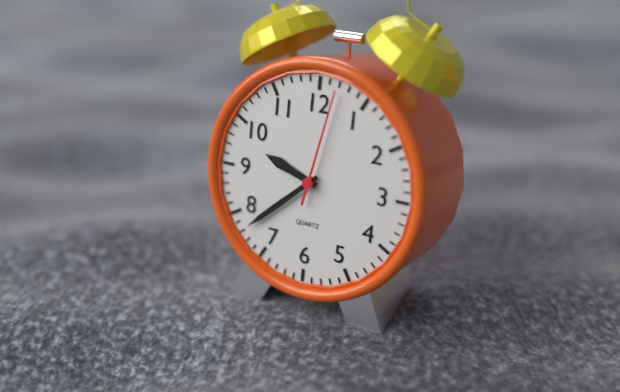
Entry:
9.38.02
